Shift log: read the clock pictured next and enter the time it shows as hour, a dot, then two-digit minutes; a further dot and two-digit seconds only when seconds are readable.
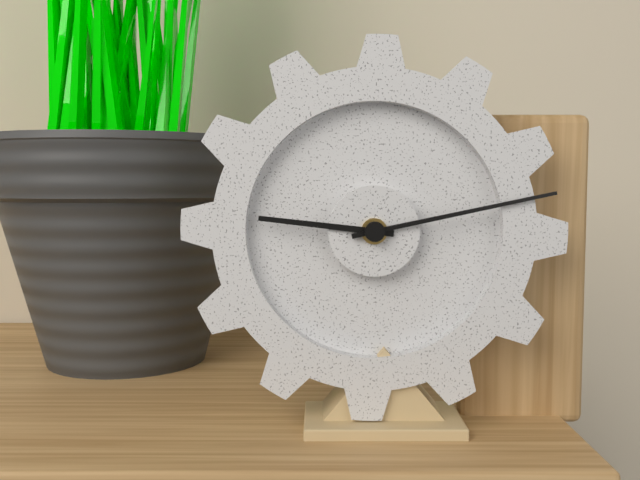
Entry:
9.13
